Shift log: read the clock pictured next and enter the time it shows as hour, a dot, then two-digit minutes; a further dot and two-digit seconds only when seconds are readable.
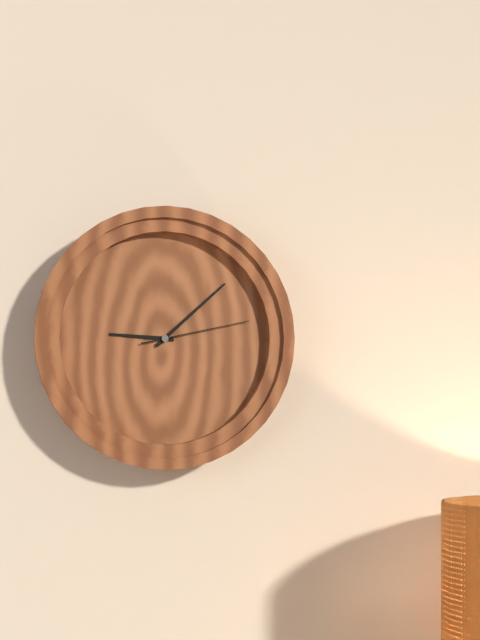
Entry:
9.08.13
